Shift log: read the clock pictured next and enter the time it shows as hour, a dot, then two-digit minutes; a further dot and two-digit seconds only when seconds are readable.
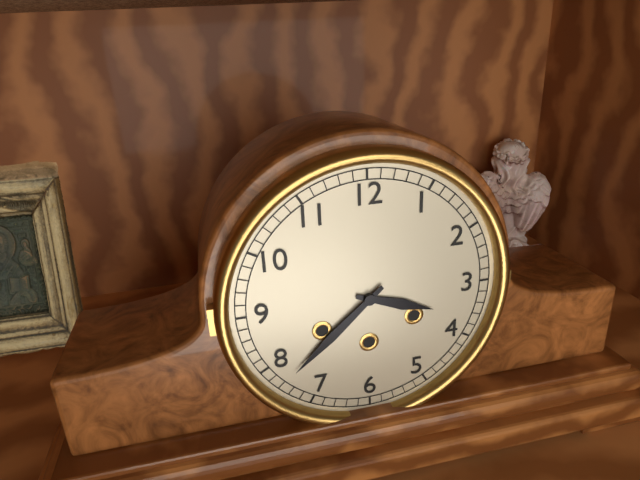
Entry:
3.38
